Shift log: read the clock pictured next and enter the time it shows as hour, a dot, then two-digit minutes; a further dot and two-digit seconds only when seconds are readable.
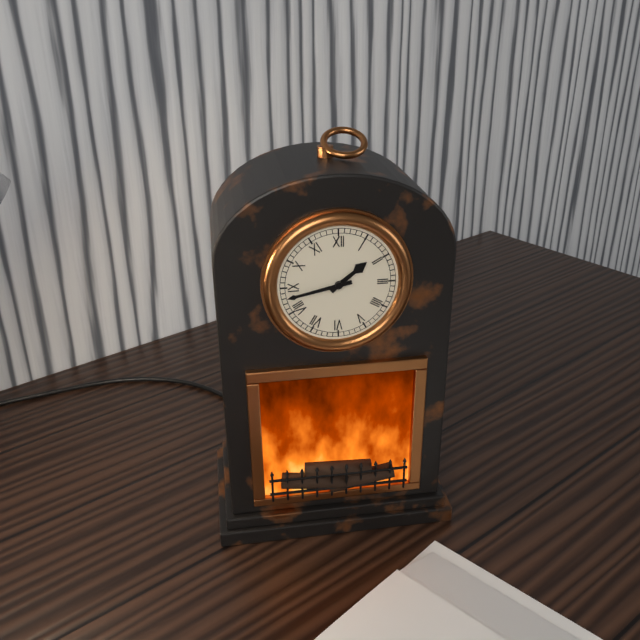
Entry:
1.43
